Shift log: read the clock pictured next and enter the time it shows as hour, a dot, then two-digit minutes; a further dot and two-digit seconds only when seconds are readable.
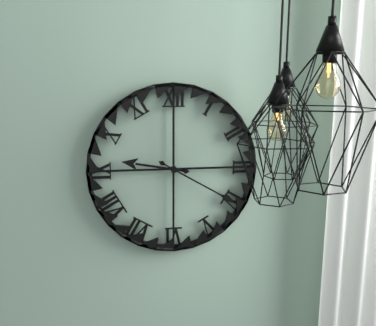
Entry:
9.20
